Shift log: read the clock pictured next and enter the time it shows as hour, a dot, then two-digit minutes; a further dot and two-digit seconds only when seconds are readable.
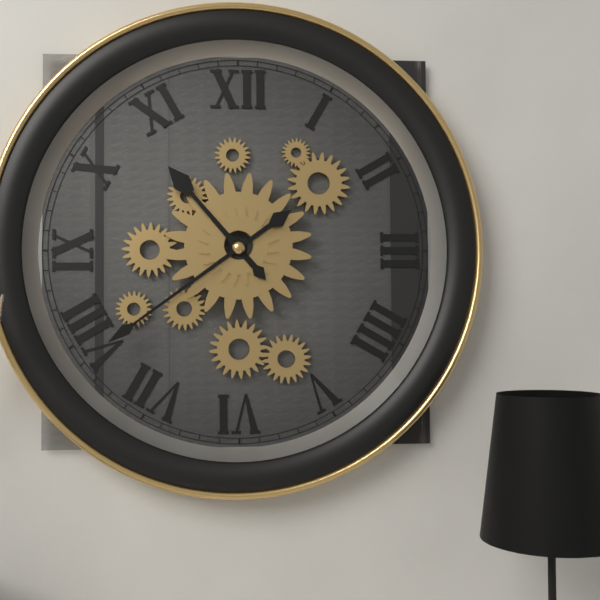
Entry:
10.39
